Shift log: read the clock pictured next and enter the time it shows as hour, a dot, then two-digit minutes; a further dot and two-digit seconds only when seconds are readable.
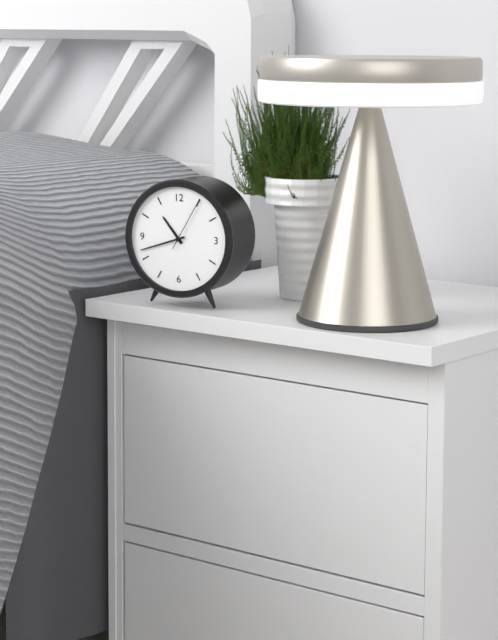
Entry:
10.42.05
